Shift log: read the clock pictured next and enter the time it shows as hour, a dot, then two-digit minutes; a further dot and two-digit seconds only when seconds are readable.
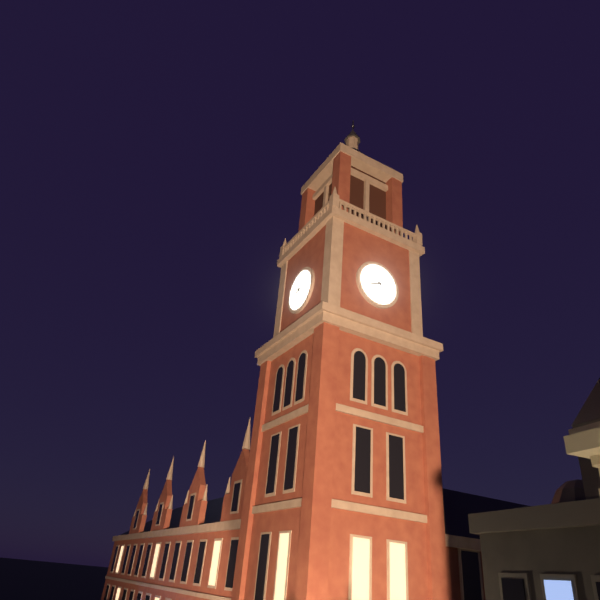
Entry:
8.23
